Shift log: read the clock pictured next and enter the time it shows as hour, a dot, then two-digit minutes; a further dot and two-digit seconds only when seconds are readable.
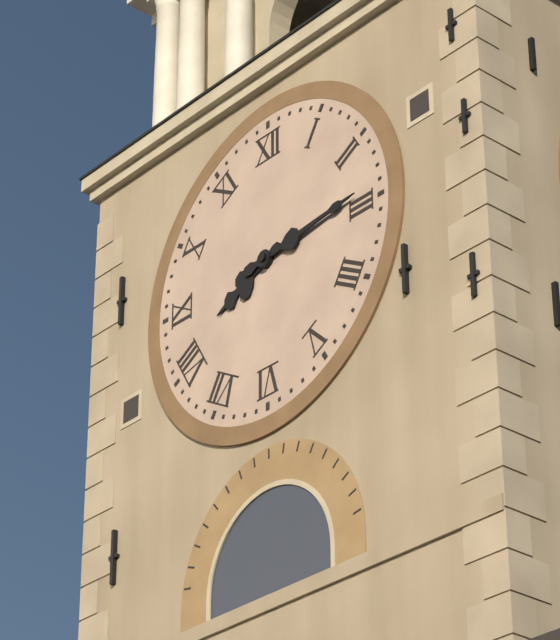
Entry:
8.14
